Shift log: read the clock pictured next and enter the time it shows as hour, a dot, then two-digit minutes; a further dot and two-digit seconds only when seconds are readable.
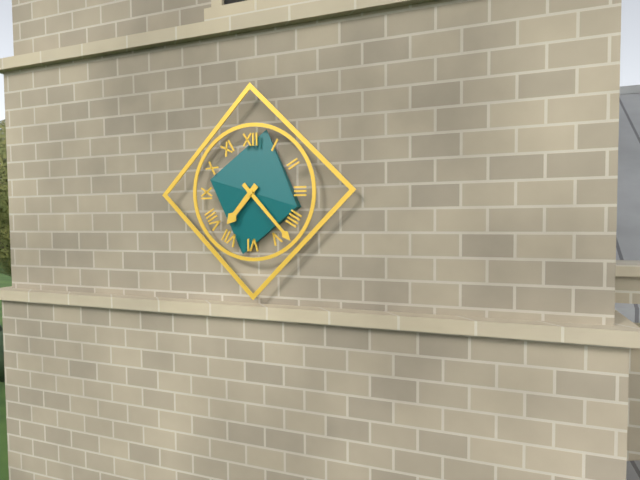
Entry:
7.23
